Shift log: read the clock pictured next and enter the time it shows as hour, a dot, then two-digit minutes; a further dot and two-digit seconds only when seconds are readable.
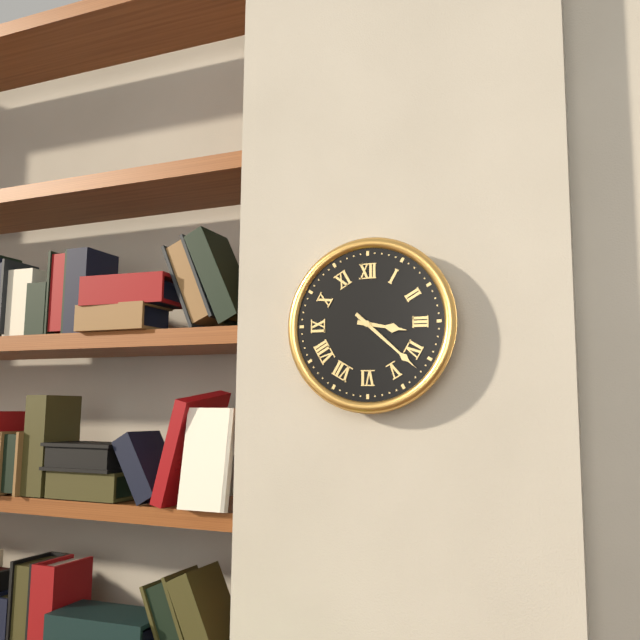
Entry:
3.22
